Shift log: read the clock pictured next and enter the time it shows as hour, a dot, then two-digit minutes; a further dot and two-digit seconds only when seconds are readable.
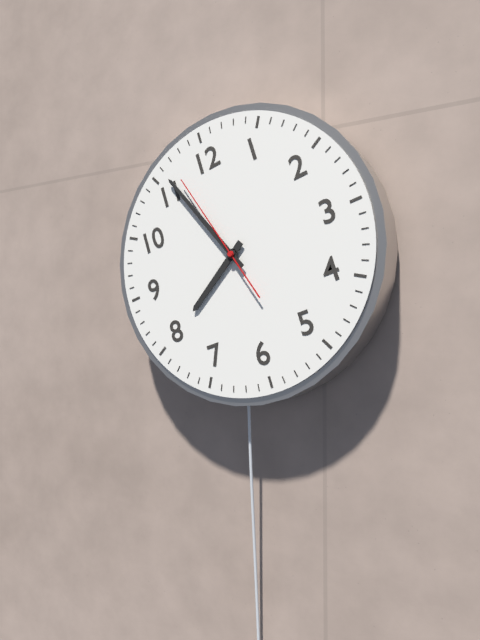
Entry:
7.56.57
